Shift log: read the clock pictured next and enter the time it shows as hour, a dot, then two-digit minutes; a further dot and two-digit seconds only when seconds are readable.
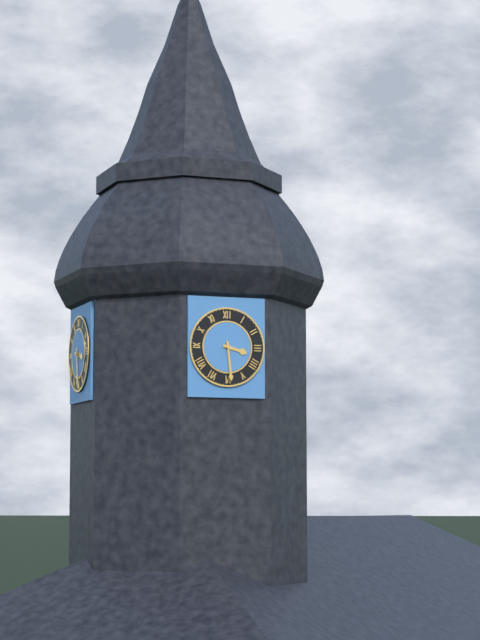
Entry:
3.29
